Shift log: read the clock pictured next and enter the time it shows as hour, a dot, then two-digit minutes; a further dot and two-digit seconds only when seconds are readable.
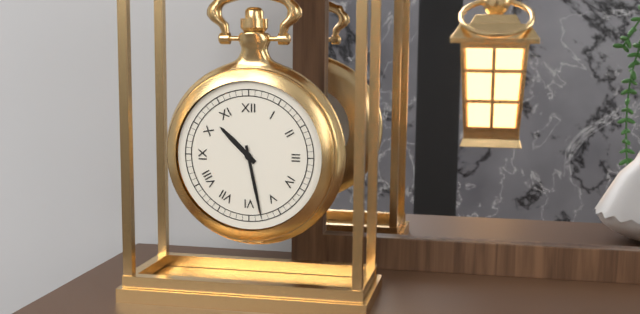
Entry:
10.28
